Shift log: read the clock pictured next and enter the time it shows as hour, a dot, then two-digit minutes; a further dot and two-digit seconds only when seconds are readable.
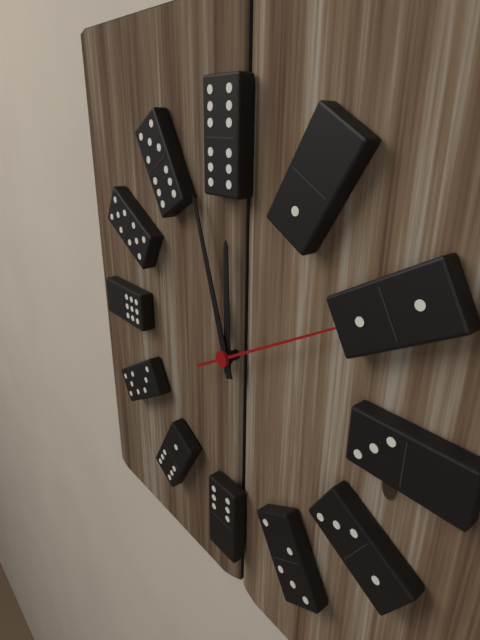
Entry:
11.57.10
